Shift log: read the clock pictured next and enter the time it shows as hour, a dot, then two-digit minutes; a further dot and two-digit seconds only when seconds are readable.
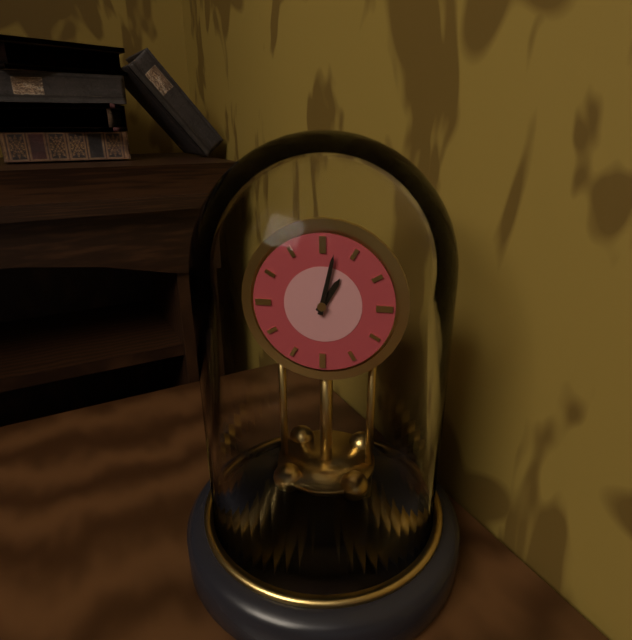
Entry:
1.02
